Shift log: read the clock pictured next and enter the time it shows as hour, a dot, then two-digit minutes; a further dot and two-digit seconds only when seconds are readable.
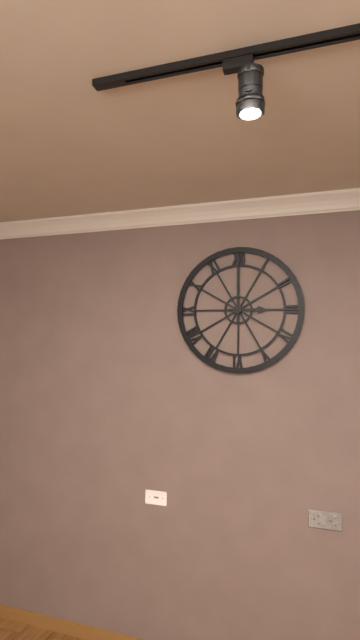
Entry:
3.00
